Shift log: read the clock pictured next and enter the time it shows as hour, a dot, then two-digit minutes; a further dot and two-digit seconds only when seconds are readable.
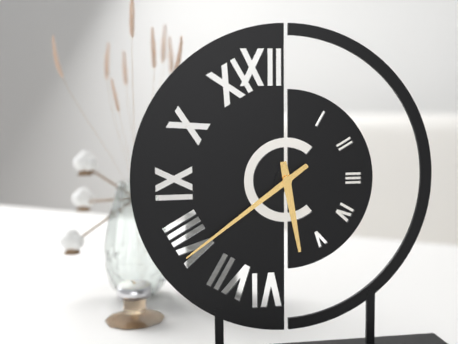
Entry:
5.39
